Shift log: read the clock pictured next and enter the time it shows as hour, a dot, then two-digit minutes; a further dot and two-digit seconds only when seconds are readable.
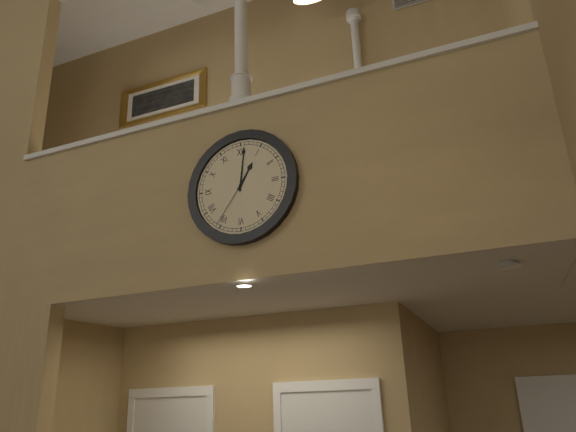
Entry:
1.01.36
